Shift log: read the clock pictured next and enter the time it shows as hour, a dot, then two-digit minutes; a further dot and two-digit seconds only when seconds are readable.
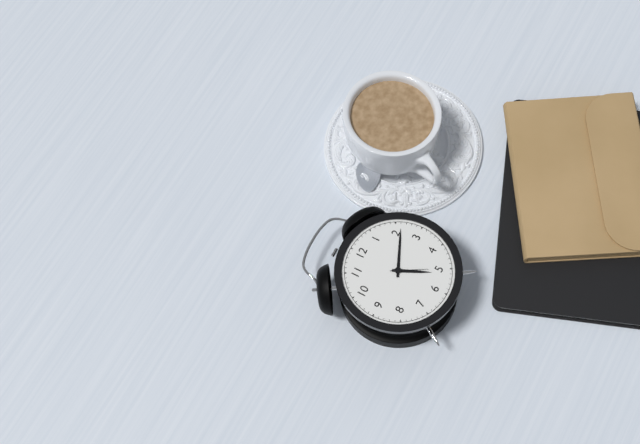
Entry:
5.11
